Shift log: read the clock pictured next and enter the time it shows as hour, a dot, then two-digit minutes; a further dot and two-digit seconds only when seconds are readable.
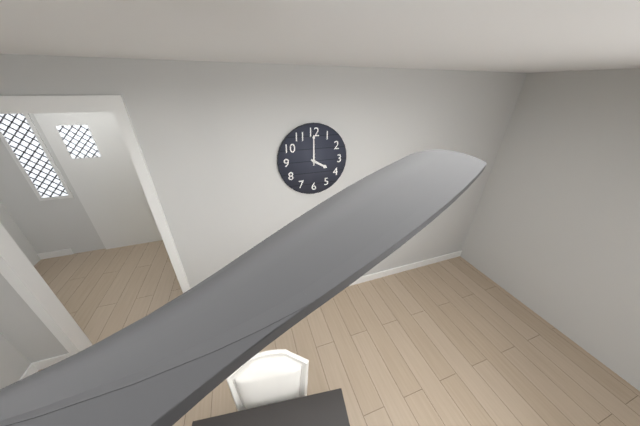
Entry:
4.00
